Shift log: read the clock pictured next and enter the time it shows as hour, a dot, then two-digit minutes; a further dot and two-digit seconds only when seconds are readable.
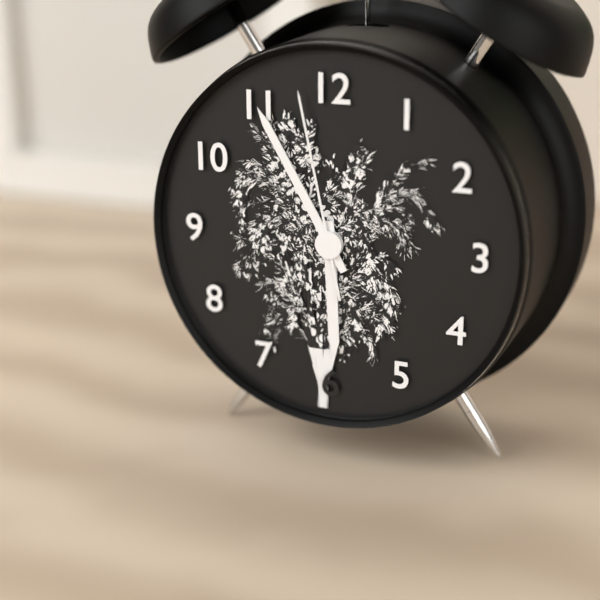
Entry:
5.55.58
